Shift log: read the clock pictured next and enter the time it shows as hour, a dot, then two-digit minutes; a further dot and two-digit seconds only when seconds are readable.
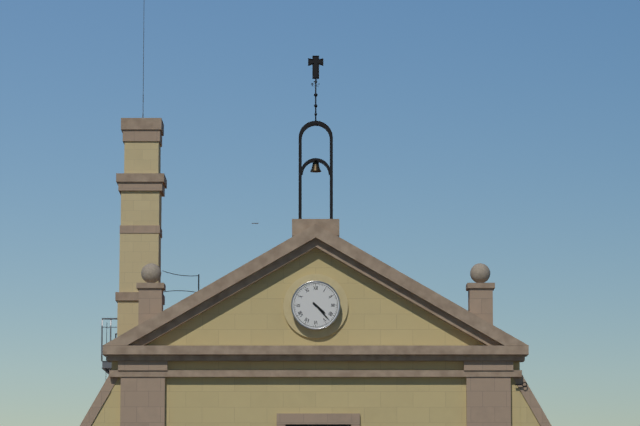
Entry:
4.23
